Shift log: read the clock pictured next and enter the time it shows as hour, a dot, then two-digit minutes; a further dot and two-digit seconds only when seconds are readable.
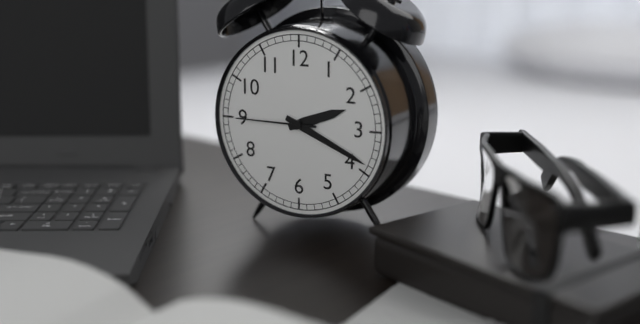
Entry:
2.19.45
